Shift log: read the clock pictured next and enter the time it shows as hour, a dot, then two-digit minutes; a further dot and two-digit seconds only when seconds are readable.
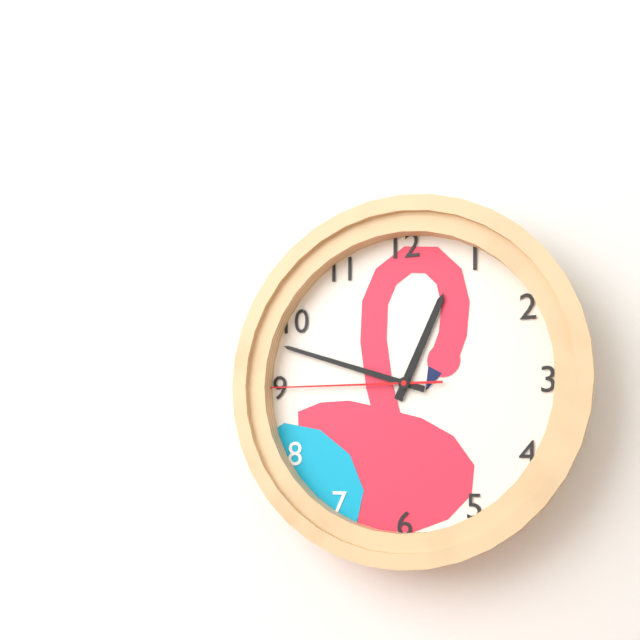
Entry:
12.48.45
